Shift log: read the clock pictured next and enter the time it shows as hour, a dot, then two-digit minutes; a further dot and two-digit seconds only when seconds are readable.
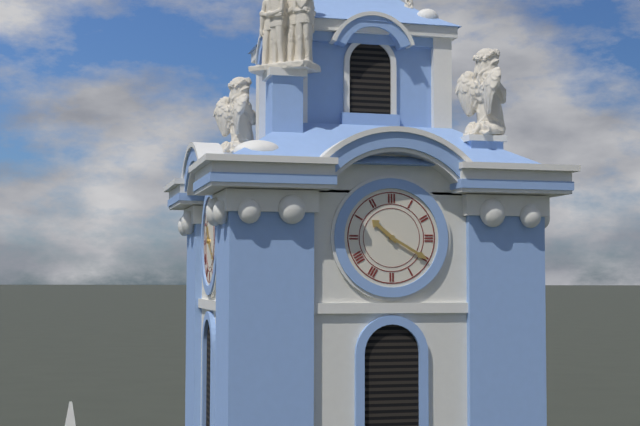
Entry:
10.20
